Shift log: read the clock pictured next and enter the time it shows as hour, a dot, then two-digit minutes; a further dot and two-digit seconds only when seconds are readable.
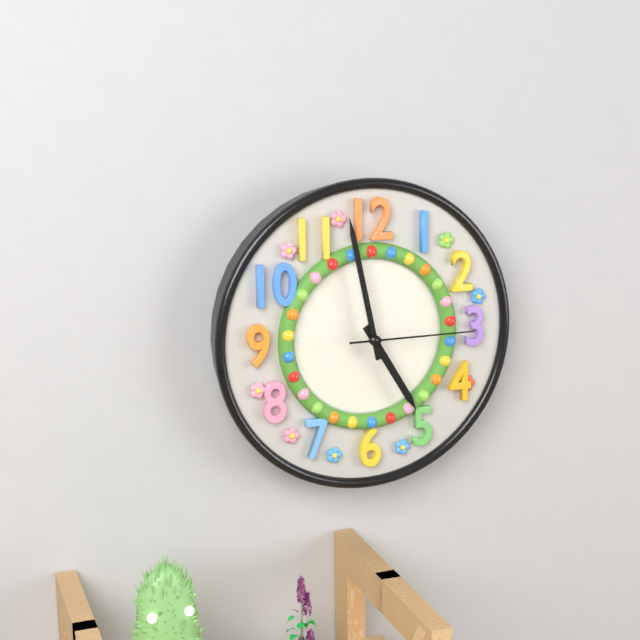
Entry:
4.58.15
